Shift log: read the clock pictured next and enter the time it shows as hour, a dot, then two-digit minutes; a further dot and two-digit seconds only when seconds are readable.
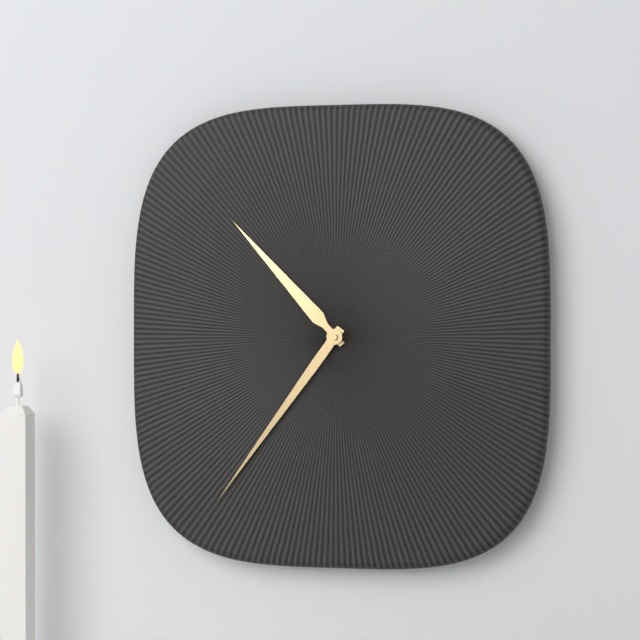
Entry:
10.36
